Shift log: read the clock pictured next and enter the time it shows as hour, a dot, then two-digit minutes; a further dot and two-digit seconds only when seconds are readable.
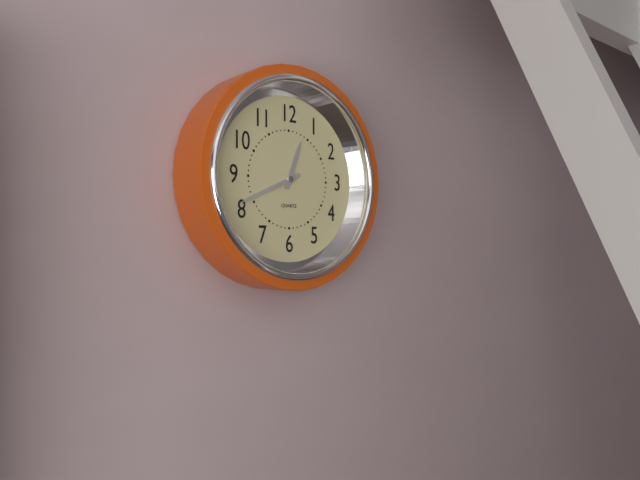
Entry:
12.41
